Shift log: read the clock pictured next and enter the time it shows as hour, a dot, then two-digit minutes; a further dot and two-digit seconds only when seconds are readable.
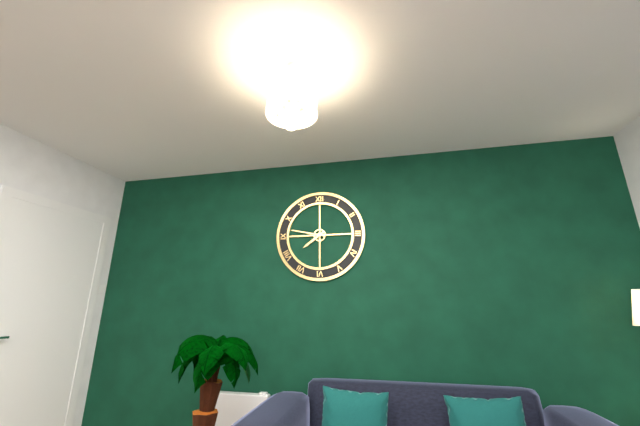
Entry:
7.47
